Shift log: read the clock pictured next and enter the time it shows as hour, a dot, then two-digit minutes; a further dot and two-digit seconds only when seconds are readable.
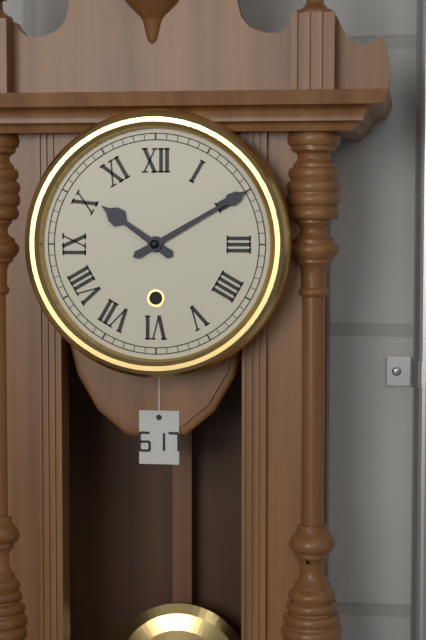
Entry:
10.10
